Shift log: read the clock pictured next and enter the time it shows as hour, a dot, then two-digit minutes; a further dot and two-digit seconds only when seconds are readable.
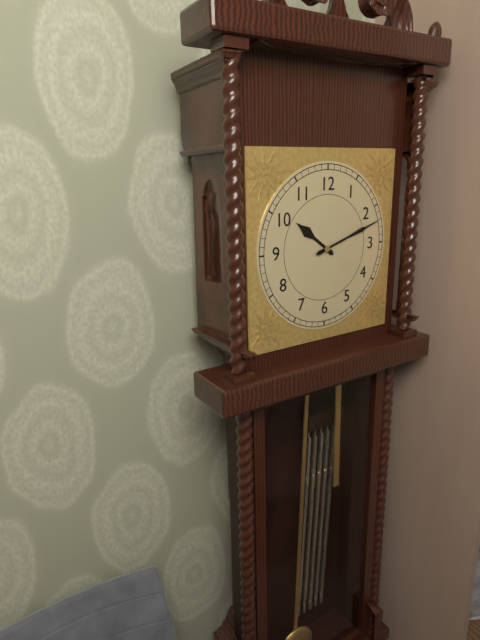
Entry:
10.12
